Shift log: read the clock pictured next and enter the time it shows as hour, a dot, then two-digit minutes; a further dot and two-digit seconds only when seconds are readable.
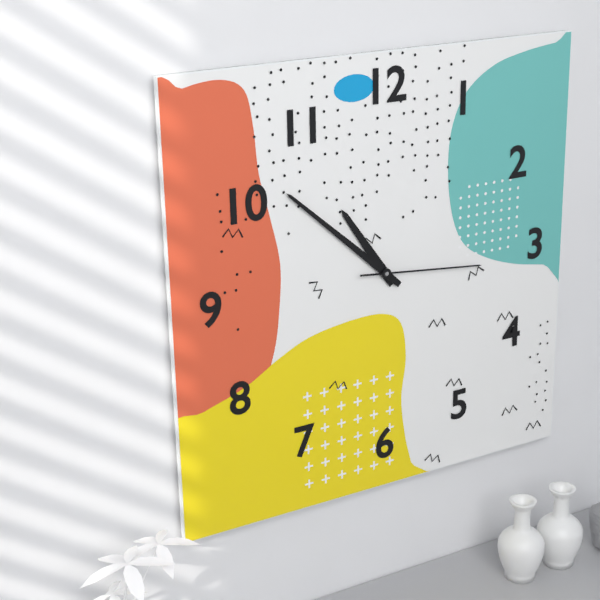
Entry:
10.52.16
